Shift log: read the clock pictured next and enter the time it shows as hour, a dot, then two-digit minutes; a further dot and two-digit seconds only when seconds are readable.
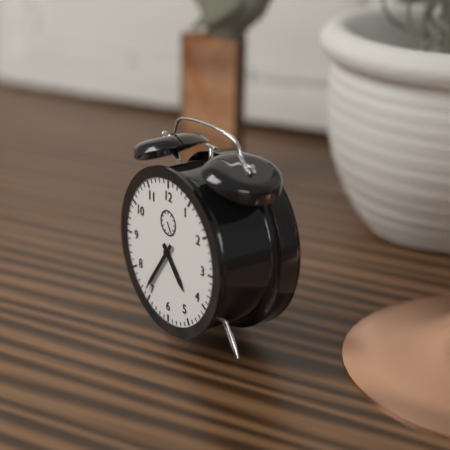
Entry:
4.36
